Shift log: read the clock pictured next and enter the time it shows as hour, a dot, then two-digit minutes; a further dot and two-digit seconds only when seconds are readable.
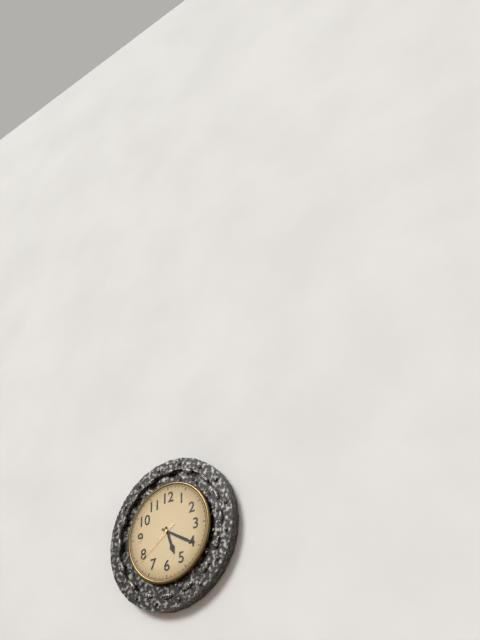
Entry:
5.20.39
